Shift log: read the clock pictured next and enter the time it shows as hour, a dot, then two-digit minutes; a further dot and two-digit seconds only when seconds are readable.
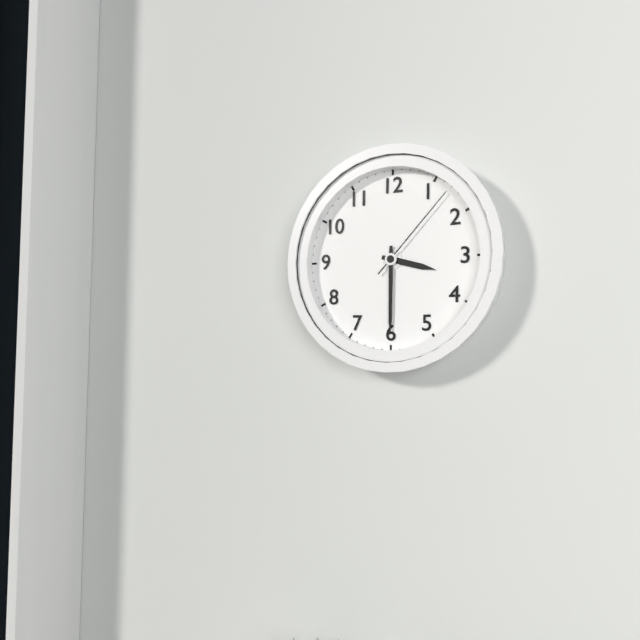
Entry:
3.30.07
